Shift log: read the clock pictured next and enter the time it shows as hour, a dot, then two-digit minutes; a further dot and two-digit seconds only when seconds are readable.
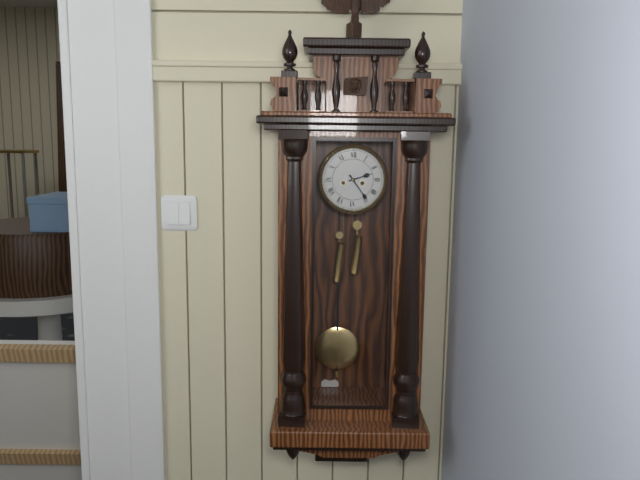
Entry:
2.24
